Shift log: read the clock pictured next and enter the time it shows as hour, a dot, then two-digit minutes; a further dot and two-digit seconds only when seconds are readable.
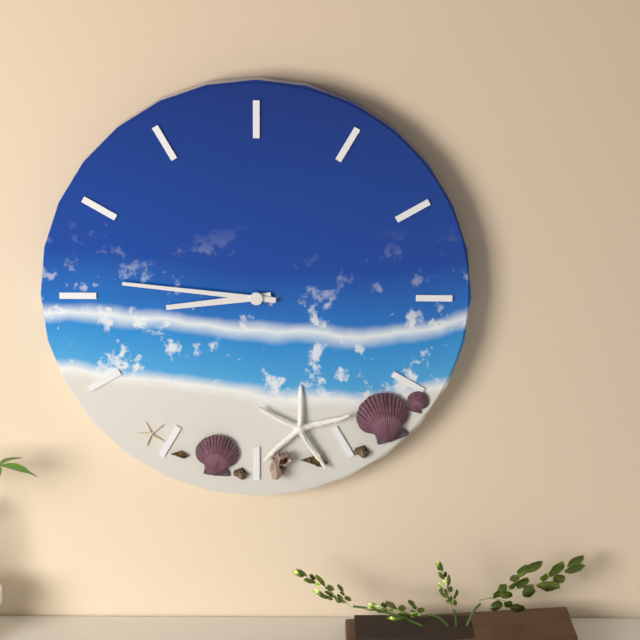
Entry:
8.46
